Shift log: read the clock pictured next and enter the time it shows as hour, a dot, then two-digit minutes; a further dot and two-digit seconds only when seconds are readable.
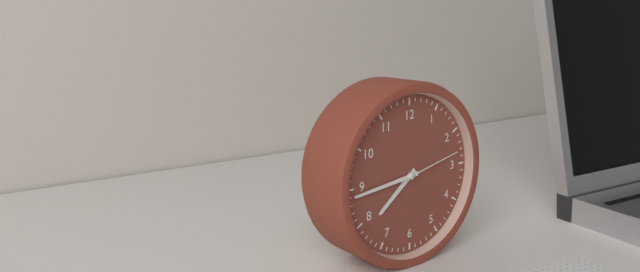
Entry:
7.44.13
